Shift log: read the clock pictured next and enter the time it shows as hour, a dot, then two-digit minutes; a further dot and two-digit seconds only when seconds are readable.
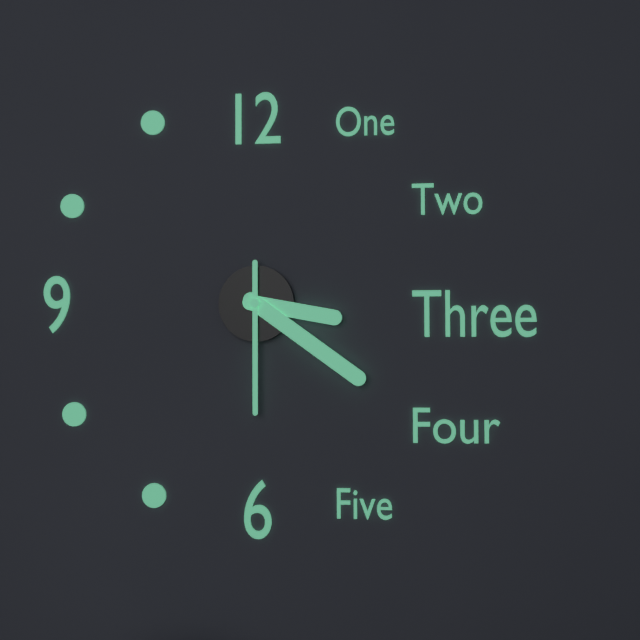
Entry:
3.21.30
